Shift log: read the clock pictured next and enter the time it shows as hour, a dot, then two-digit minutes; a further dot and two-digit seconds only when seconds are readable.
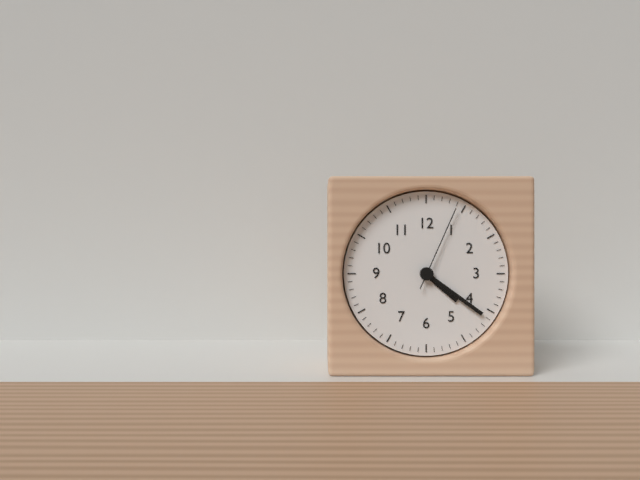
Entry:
4.21.04
